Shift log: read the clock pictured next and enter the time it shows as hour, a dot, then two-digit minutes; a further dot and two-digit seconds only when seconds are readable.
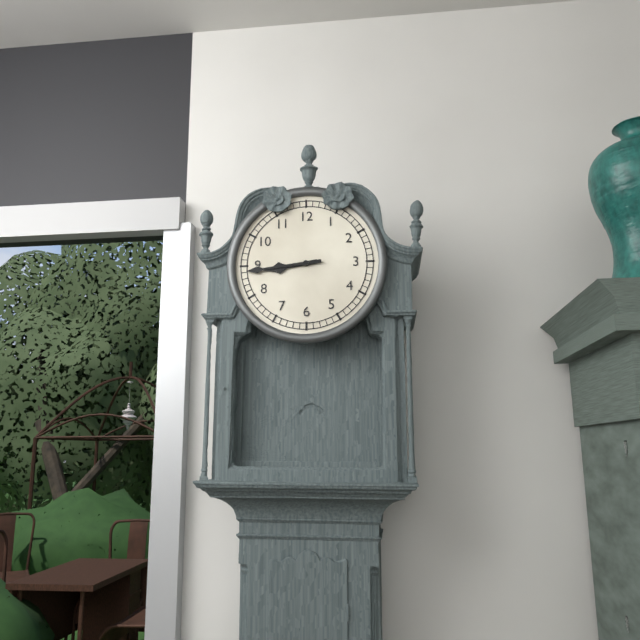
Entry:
8.44
